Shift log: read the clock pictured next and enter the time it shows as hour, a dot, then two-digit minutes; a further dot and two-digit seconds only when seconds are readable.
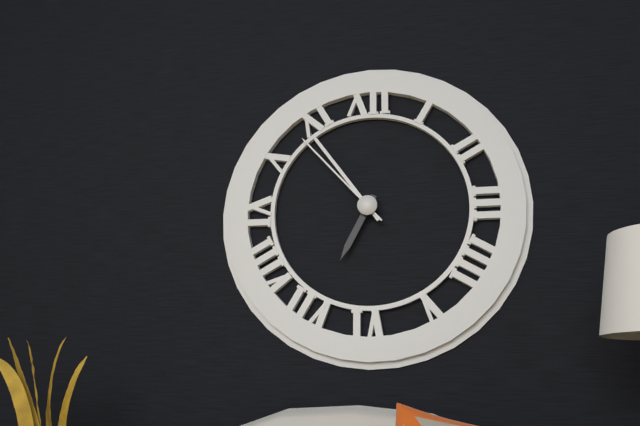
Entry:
6.54.53
